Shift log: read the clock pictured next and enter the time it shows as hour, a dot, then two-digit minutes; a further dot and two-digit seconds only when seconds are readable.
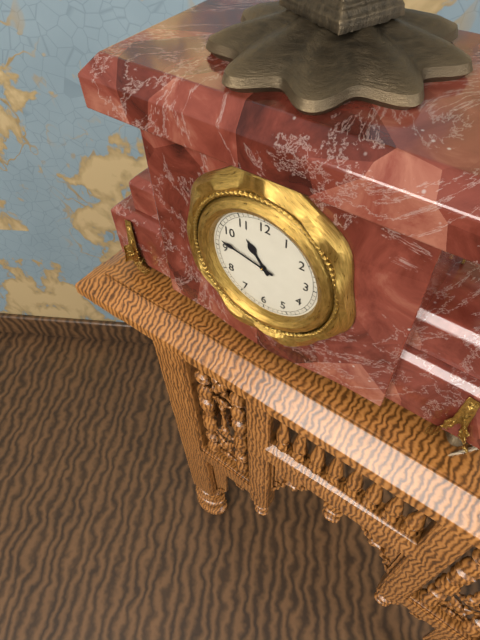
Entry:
10.47
